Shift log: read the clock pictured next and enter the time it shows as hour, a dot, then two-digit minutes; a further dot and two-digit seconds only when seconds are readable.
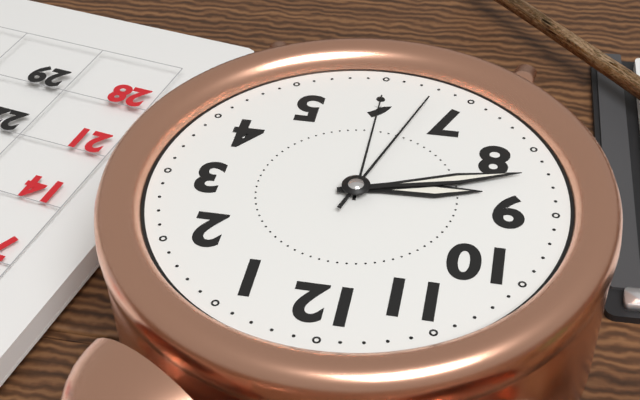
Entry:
8.42.33
